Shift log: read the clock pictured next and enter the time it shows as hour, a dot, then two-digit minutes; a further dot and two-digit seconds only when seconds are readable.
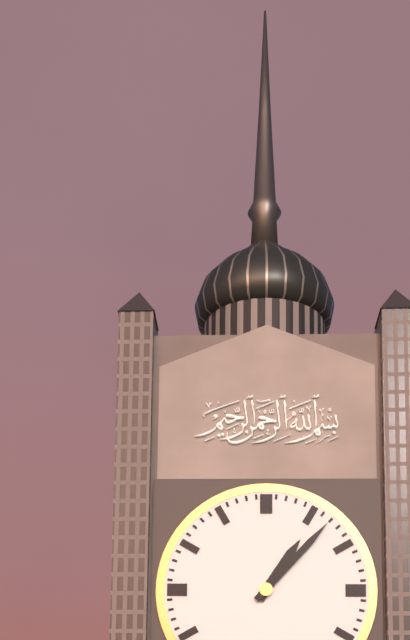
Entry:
1.07
